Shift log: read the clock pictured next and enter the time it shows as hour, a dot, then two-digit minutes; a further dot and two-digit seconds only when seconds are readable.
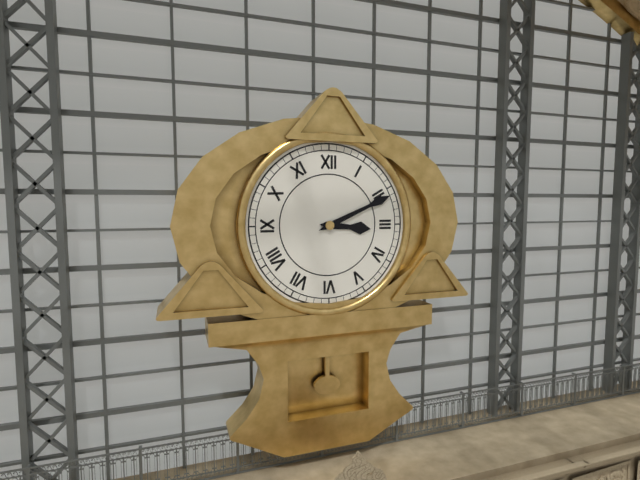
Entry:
3.11
